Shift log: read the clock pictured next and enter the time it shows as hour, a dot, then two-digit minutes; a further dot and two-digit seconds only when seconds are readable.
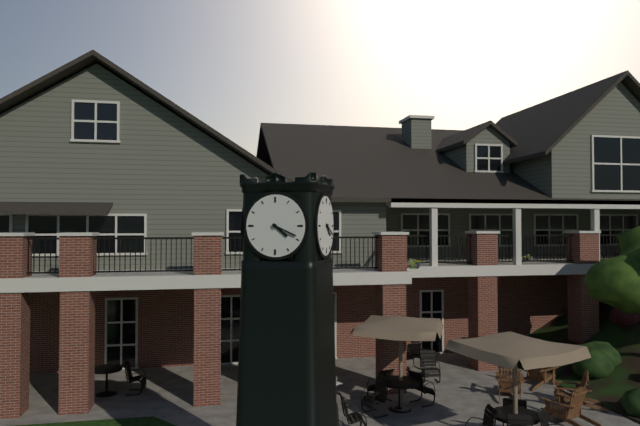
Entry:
4.19
